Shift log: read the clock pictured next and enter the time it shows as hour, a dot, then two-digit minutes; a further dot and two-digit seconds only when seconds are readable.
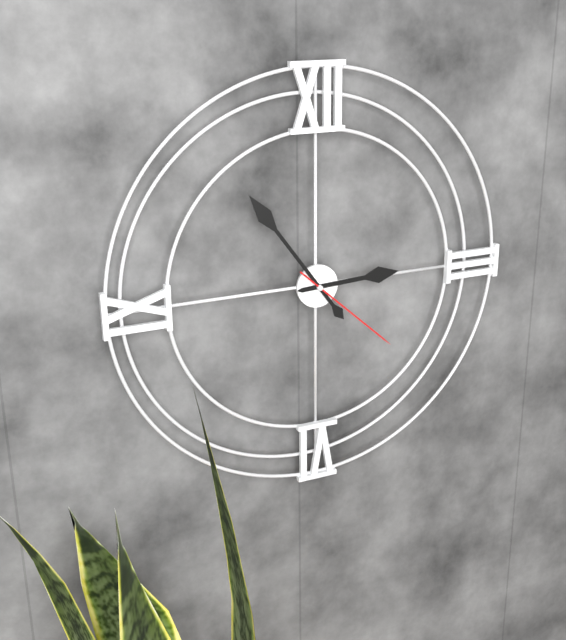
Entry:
2.54.22
